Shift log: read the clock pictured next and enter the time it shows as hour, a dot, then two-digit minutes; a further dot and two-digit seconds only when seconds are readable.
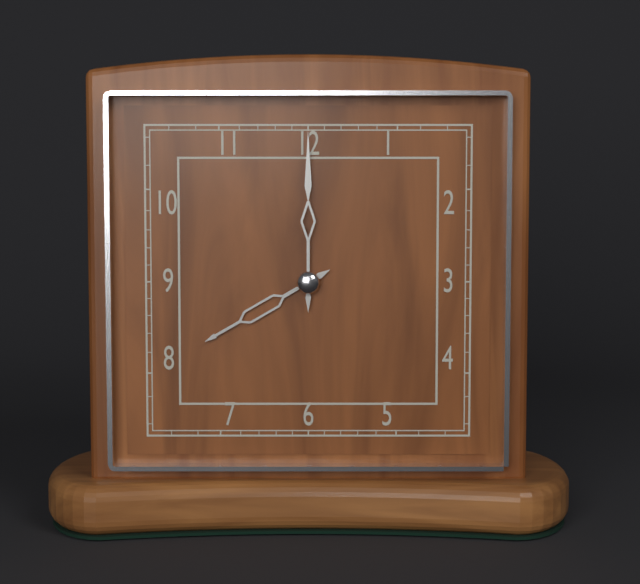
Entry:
8.00
